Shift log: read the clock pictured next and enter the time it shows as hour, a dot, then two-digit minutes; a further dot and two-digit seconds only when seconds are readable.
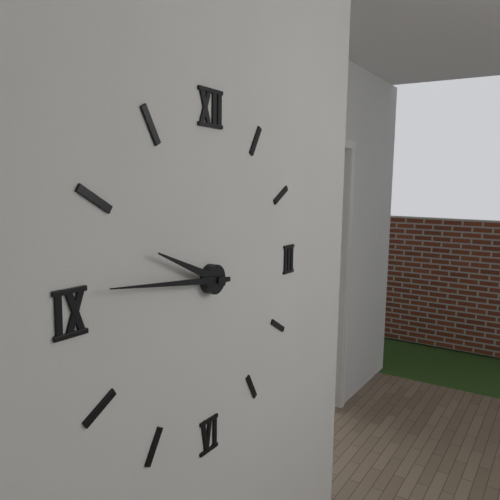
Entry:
9.46
